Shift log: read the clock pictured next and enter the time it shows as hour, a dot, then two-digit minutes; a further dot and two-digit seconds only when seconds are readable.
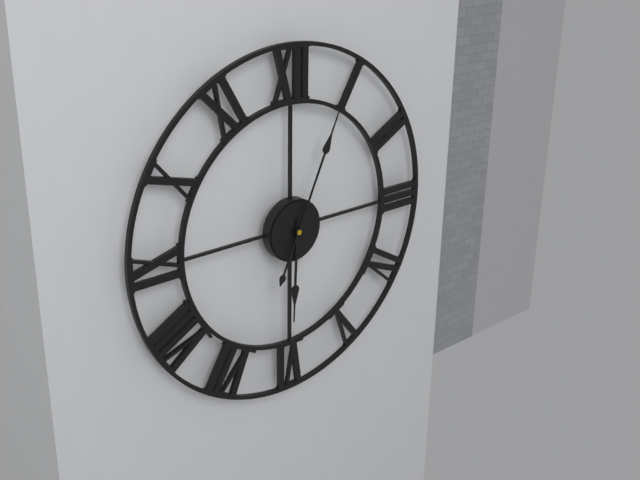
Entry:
6.04
